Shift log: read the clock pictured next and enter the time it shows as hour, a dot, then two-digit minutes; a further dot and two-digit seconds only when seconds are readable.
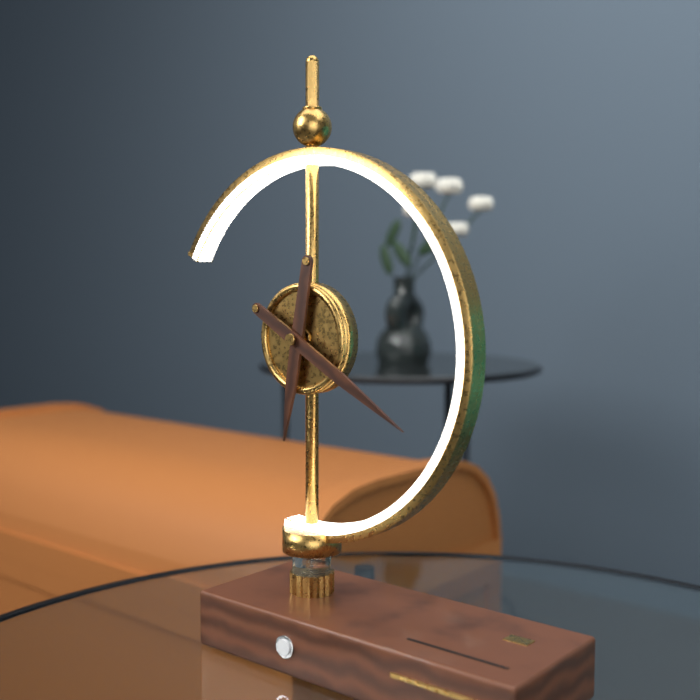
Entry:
6.20
